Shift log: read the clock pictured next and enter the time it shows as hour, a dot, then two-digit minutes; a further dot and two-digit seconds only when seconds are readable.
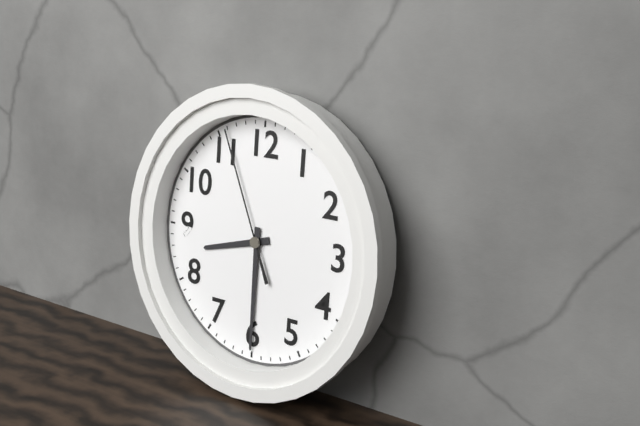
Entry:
8.30.56
